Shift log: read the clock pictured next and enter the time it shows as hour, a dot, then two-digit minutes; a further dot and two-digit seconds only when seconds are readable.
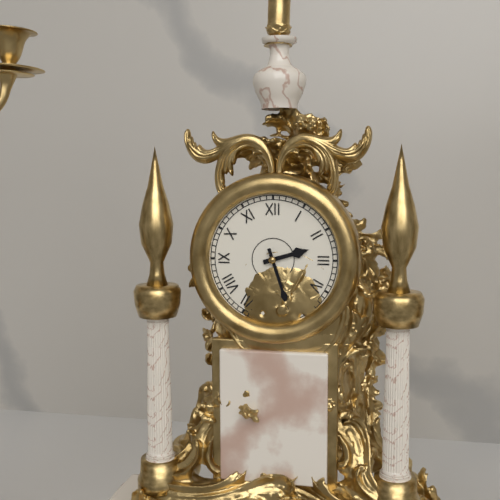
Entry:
2.27
